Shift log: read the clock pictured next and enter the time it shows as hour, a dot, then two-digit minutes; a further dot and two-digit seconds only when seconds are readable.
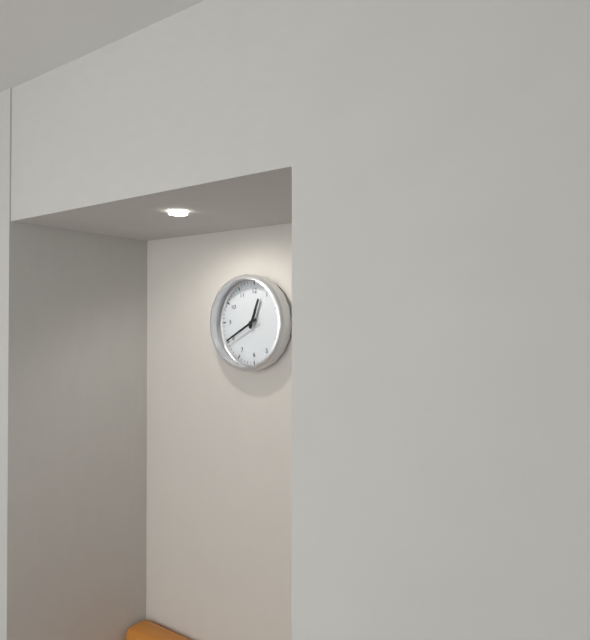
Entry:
12.40
